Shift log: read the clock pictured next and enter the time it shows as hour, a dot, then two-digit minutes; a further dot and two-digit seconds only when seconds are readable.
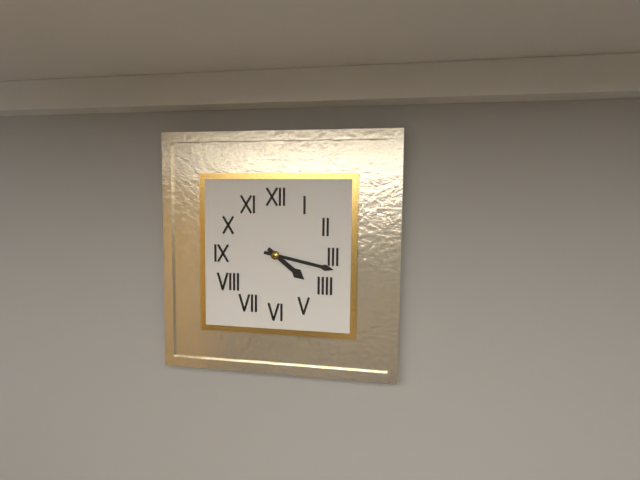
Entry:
4.17
